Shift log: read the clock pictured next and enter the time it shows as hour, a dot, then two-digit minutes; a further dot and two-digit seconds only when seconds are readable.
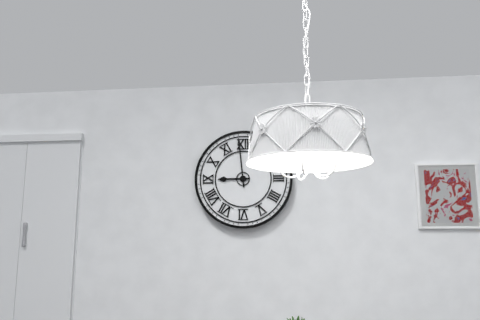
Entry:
8.59
